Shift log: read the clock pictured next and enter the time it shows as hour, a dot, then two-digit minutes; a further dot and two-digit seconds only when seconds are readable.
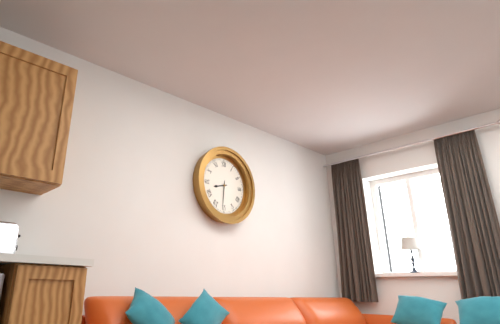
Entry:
8.31
